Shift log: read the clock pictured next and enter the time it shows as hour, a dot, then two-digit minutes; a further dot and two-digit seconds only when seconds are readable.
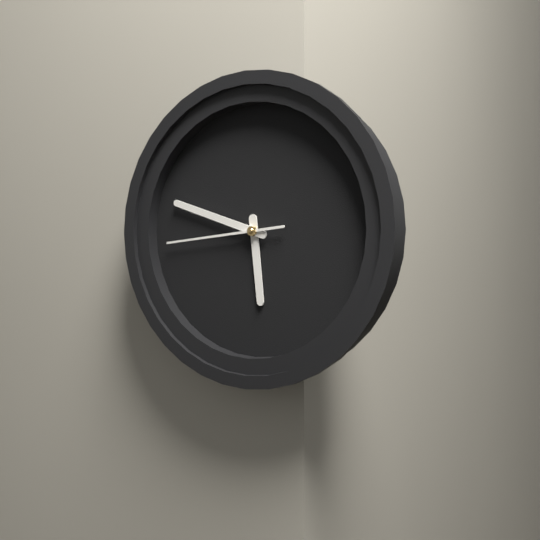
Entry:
5.48.44
